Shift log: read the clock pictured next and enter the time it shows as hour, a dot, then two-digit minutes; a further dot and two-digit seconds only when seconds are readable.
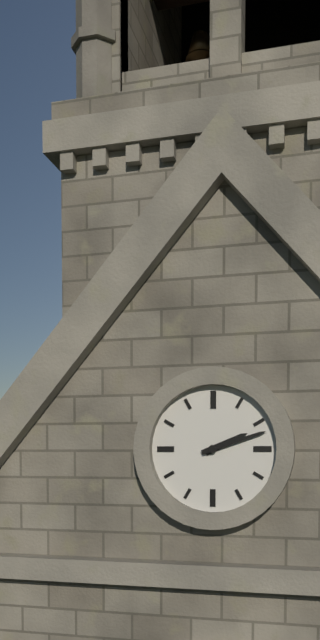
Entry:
2.12
